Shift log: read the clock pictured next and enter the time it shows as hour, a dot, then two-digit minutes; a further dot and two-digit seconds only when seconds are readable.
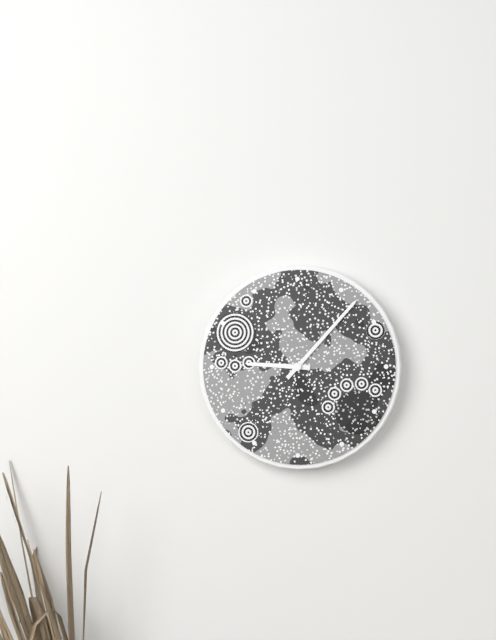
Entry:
9.07
